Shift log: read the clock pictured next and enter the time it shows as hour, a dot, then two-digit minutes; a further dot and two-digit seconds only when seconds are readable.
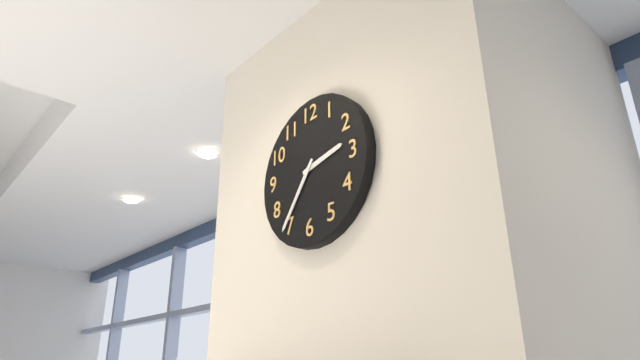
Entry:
2.36
